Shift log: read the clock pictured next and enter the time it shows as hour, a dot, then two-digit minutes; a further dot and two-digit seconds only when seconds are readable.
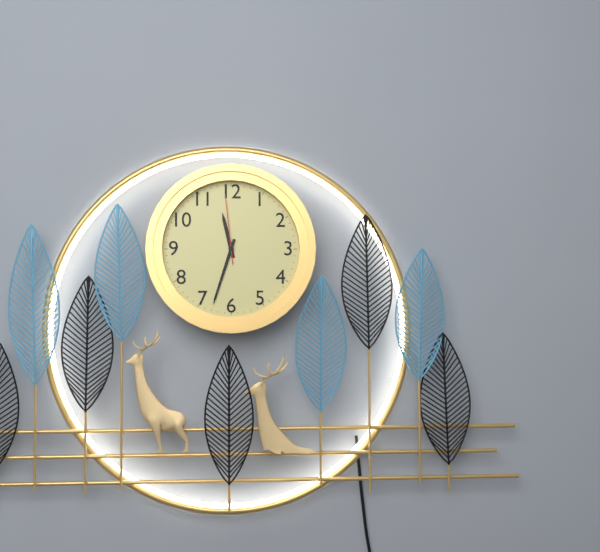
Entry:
11.33.59
